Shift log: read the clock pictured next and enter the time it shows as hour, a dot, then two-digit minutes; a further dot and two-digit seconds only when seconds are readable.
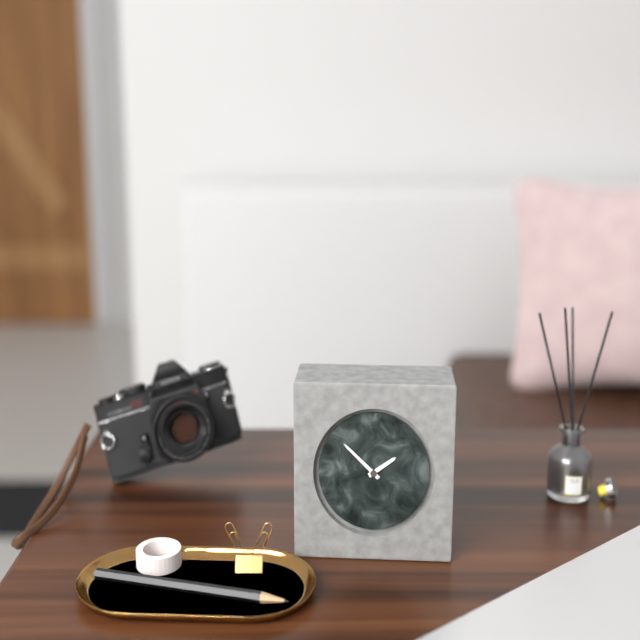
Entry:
1.52
